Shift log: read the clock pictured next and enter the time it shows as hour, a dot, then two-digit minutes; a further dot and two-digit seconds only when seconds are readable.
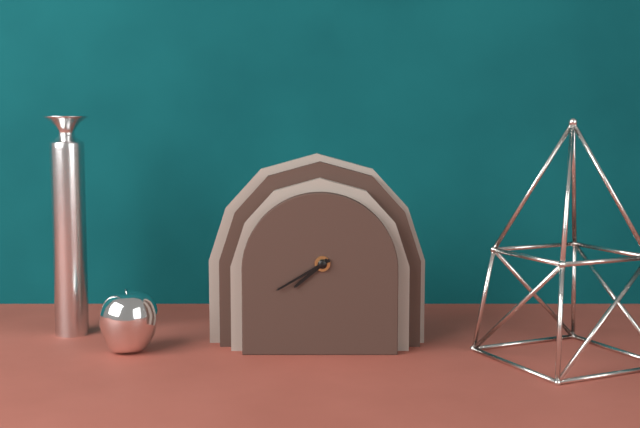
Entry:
7.40
